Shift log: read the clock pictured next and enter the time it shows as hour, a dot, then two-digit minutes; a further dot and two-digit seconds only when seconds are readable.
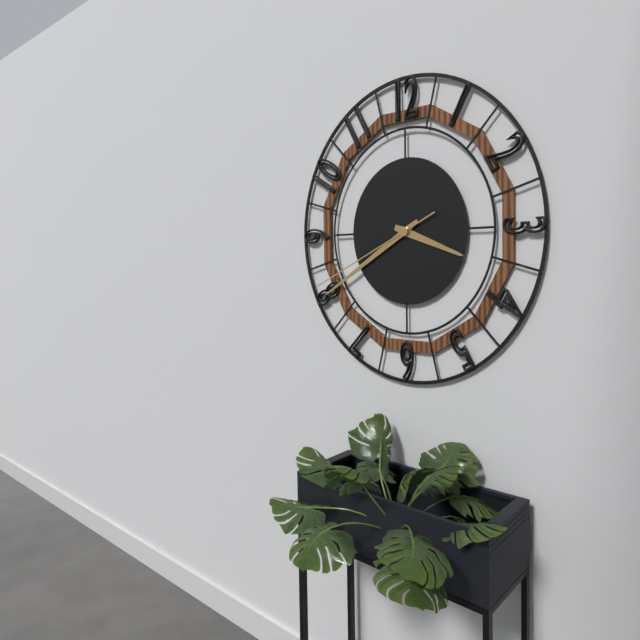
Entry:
3.40.41
